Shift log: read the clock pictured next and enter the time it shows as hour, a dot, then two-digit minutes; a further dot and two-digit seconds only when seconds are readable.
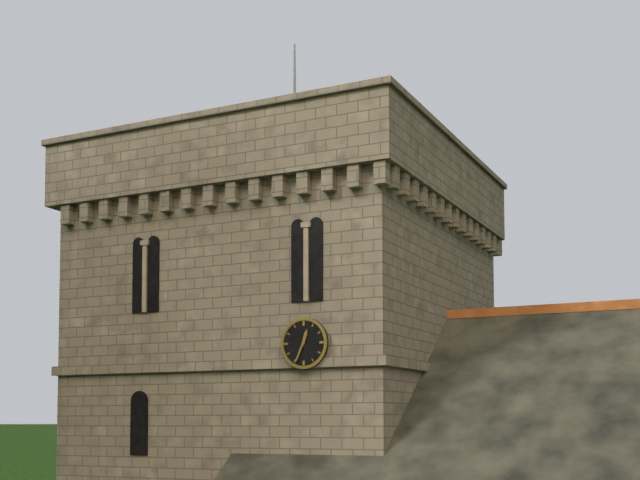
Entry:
12.34
